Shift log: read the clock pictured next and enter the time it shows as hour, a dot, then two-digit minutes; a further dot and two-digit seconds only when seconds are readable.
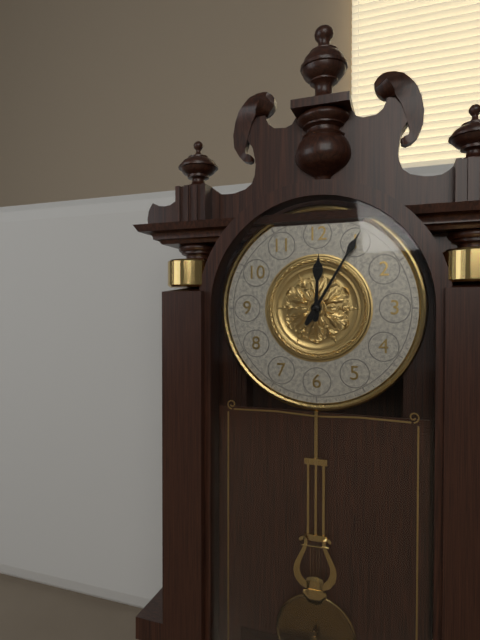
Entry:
12.05
